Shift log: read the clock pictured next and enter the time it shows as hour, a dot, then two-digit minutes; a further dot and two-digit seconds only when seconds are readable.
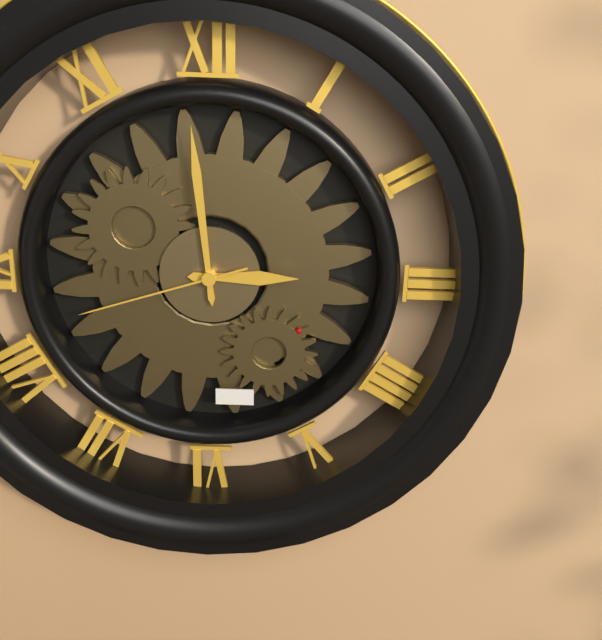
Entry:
2.59.42
